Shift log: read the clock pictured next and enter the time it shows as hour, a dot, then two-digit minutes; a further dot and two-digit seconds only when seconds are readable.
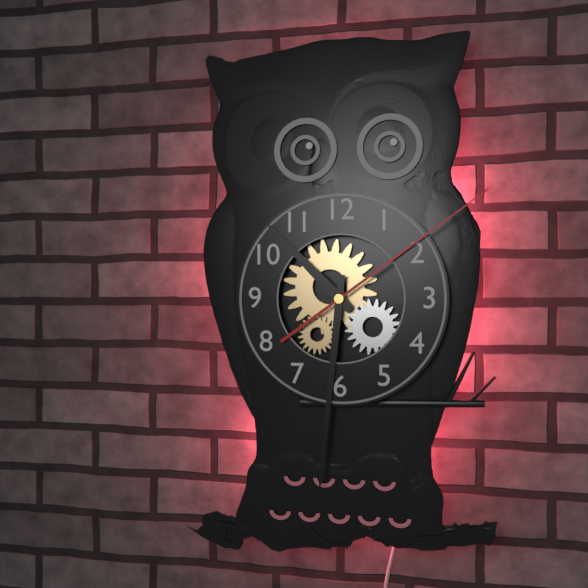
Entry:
10.31.09
